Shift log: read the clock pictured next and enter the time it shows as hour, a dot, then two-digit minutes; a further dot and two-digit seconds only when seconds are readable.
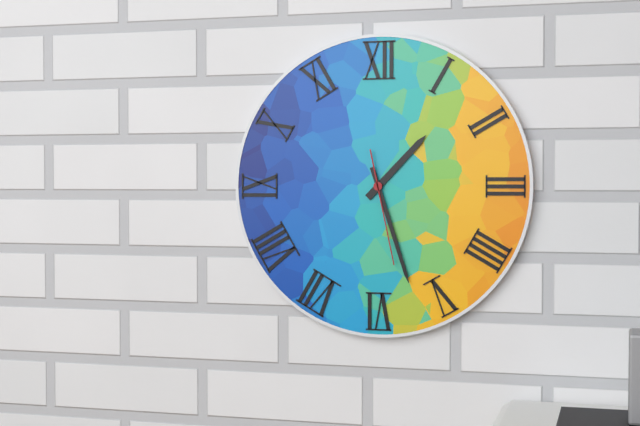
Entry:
1.27.28
